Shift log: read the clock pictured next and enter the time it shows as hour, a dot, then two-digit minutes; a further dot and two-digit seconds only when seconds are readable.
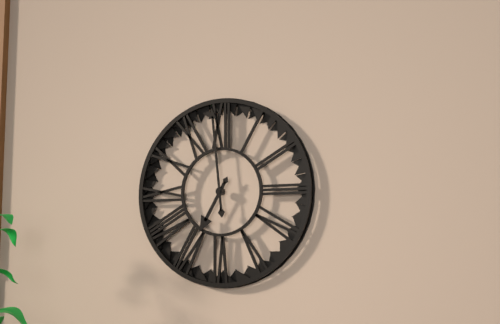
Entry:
6.59
